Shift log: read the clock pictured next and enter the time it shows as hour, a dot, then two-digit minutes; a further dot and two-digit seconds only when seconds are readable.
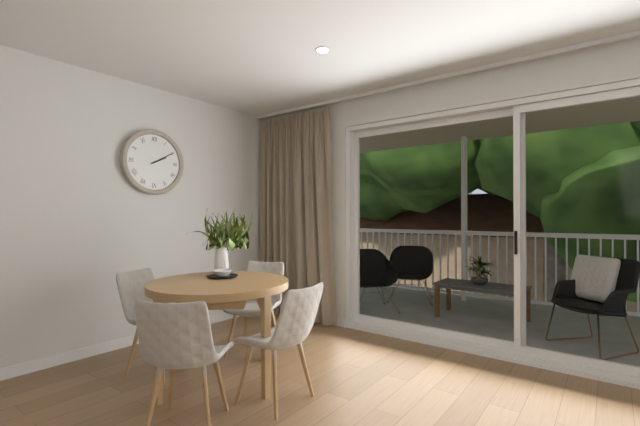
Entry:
2.10
